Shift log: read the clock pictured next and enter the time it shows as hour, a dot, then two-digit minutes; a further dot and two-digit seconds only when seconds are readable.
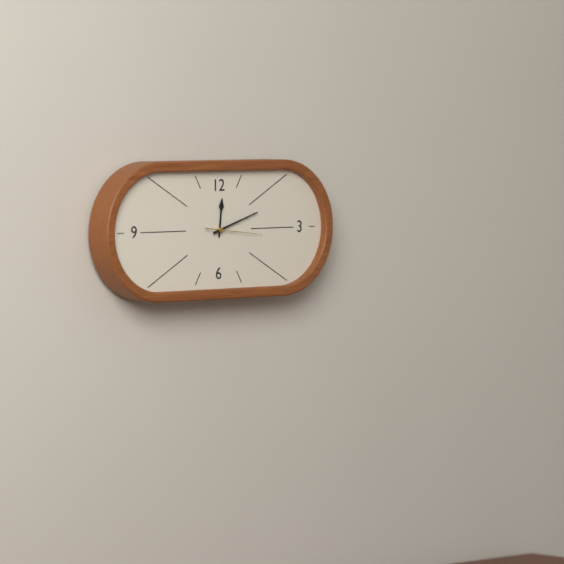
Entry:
12.12.16
